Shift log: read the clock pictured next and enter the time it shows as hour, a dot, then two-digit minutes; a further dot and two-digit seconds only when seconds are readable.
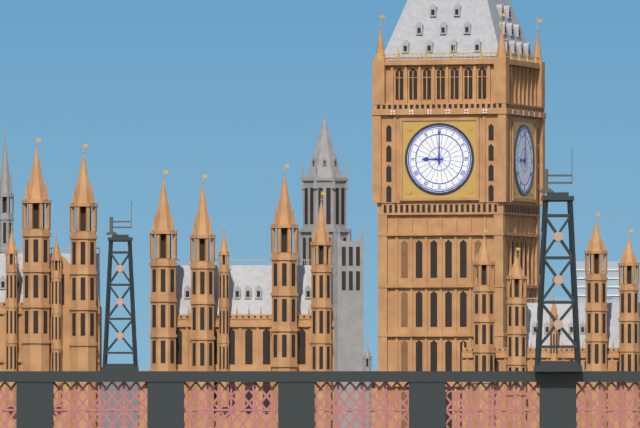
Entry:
9.00
